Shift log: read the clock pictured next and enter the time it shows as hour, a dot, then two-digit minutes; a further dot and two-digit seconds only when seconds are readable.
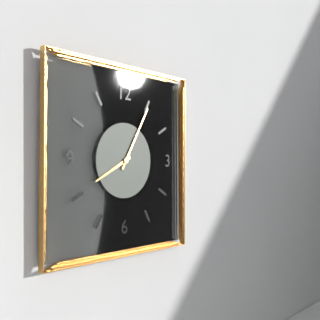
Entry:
8.05
